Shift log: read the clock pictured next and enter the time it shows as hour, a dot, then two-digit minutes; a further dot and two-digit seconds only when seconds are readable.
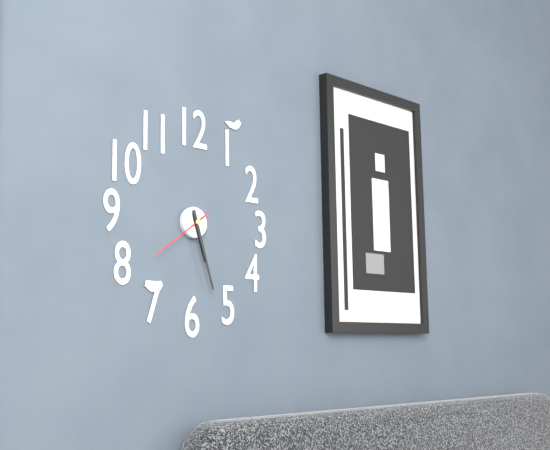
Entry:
5.27.39
